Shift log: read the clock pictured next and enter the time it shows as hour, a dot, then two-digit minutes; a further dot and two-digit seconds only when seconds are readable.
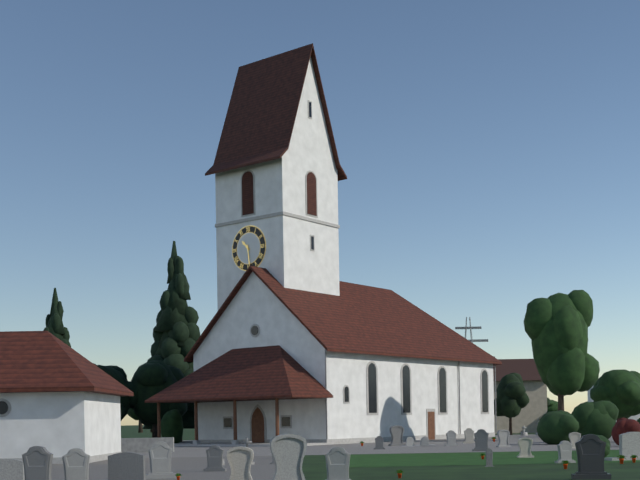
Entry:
10.29
